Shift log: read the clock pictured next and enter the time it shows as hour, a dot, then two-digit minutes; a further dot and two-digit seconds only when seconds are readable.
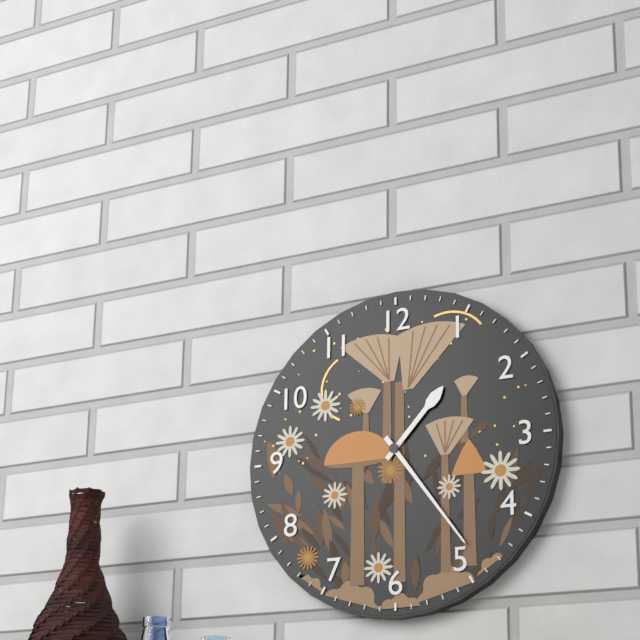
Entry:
1.24
